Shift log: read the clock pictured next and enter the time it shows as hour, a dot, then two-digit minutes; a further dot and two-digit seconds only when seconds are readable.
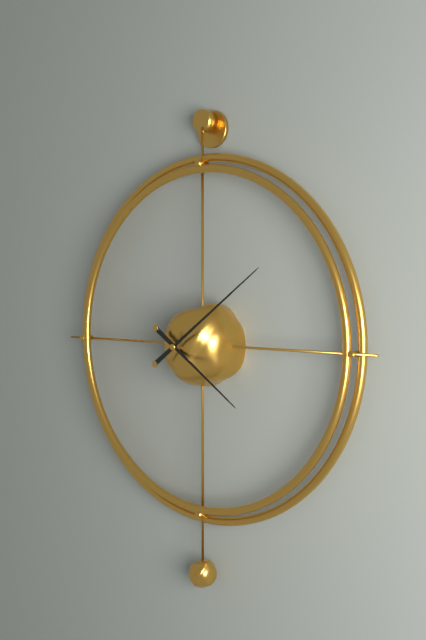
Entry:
4.09
